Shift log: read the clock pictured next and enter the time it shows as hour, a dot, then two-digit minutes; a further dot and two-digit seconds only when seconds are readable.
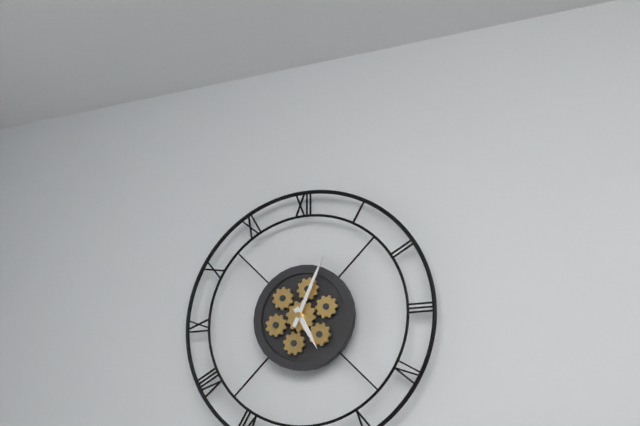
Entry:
5.04
